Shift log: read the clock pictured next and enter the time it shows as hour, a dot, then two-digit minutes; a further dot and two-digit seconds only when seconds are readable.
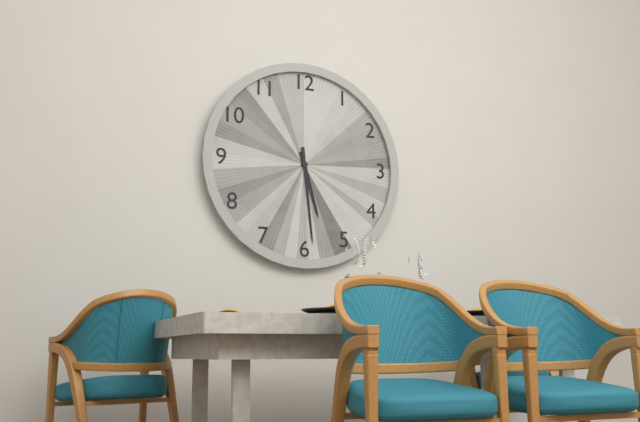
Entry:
5.29
